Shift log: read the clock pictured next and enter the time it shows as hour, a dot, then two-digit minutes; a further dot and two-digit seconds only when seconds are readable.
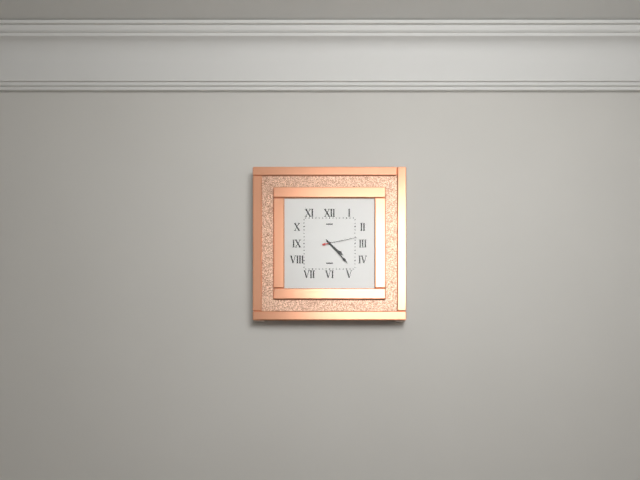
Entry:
4.23
